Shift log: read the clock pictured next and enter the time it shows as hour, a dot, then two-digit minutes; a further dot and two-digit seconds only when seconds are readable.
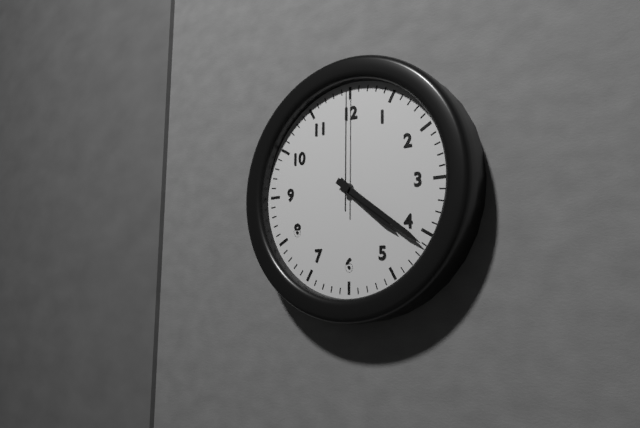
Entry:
4.21.00
